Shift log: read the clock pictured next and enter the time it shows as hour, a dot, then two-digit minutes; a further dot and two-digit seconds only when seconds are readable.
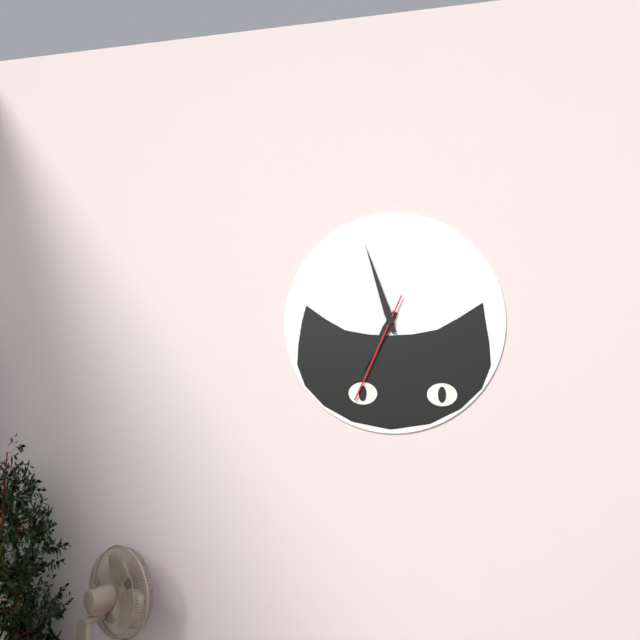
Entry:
6.57.34
